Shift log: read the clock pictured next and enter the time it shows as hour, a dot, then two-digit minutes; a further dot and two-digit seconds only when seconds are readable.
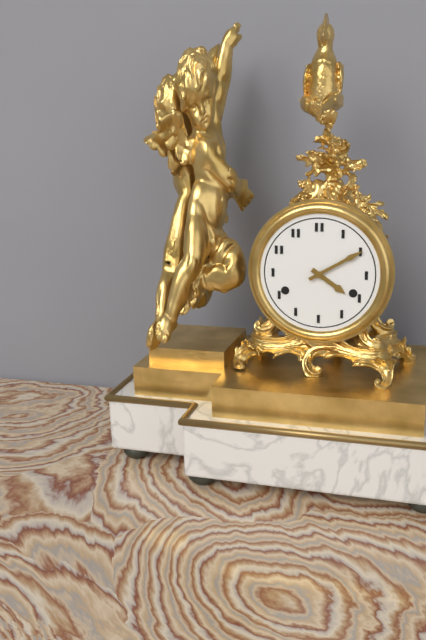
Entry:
4.10
